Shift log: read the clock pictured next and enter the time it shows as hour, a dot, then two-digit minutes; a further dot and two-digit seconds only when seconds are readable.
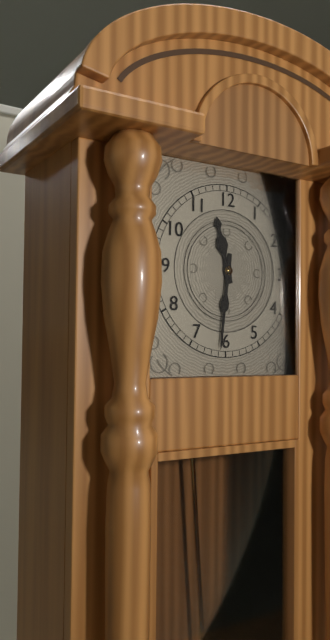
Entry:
11.31
